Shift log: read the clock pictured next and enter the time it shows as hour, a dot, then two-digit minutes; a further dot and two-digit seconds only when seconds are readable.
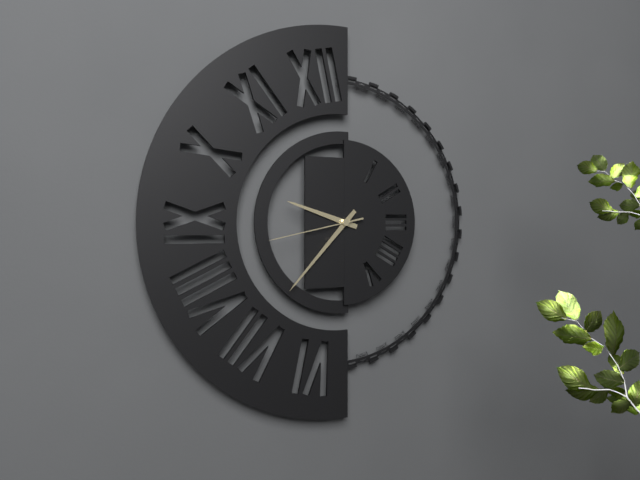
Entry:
9.37.43
